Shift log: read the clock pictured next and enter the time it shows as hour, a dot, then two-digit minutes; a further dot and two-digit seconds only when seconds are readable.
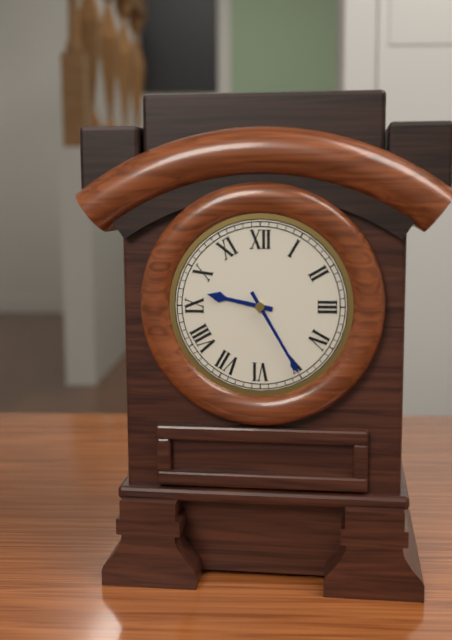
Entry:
9.25
